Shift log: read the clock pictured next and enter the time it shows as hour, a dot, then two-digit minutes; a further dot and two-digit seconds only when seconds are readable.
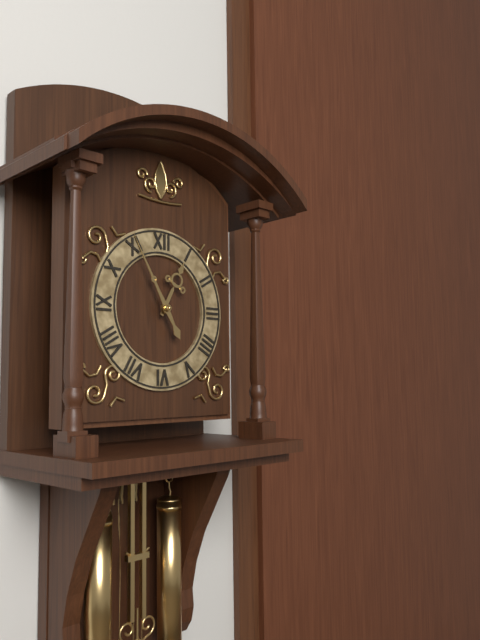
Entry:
12.55
